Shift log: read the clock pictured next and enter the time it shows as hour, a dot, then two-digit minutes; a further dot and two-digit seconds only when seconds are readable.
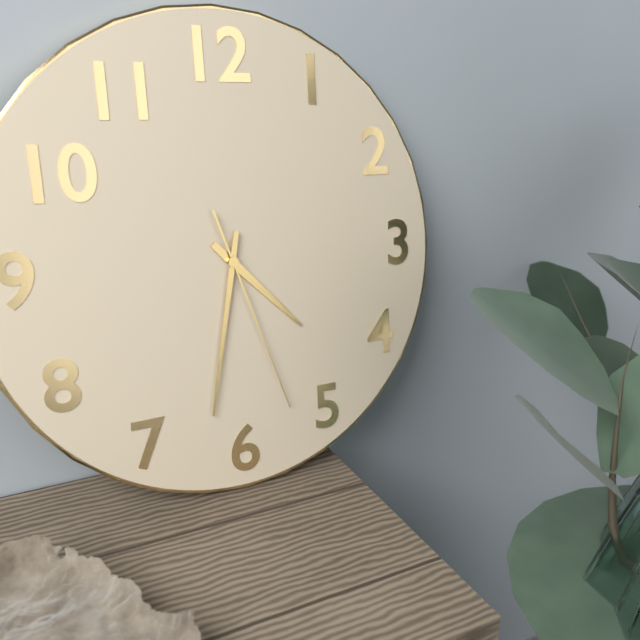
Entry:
4.32.27
